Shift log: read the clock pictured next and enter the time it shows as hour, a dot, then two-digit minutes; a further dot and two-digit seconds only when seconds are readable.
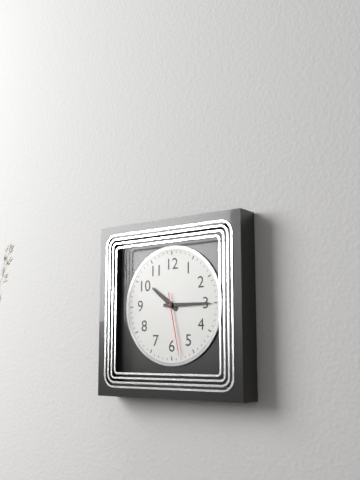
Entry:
10.15.28
